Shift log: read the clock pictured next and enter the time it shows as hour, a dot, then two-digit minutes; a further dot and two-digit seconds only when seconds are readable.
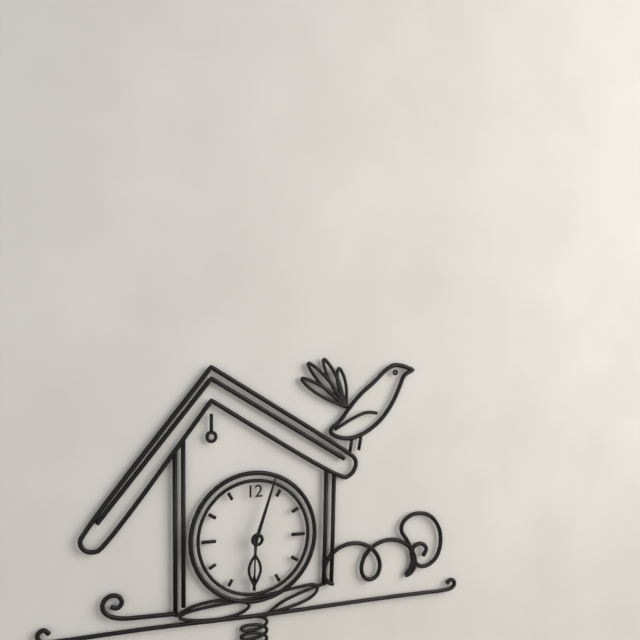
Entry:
6.03
